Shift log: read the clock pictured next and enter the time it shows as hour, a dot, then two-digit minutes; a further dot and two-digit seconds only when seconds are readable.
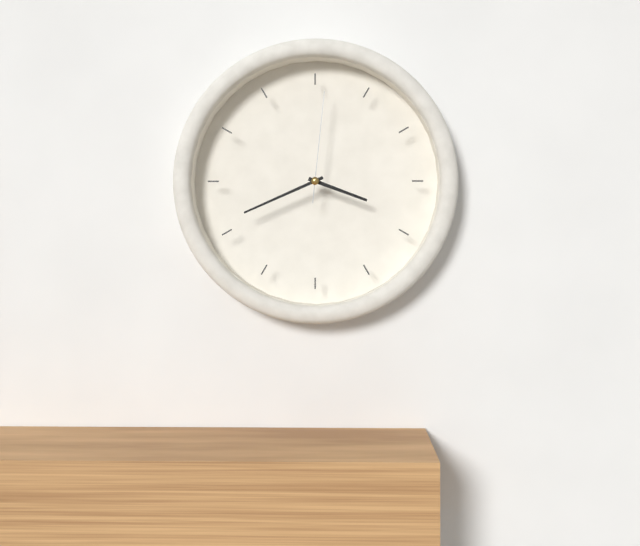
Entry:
3.41.01
